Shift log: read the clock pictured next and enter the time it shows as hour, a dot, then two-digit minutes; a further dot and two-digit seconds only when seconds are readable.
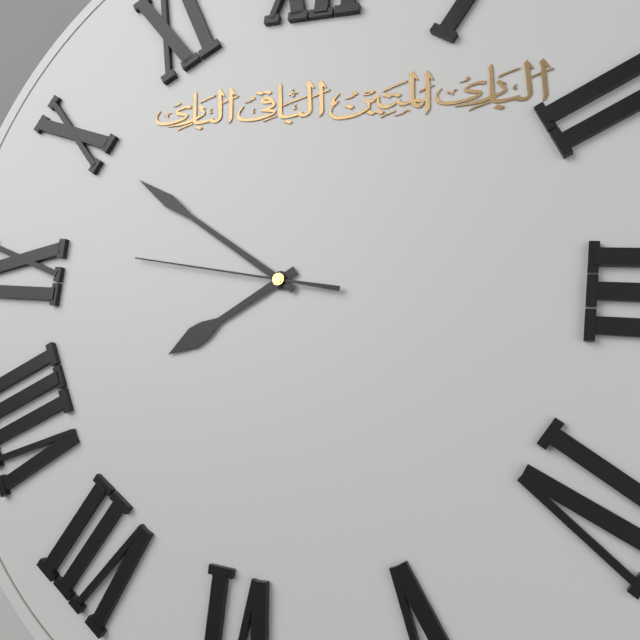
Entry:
7.50.46
